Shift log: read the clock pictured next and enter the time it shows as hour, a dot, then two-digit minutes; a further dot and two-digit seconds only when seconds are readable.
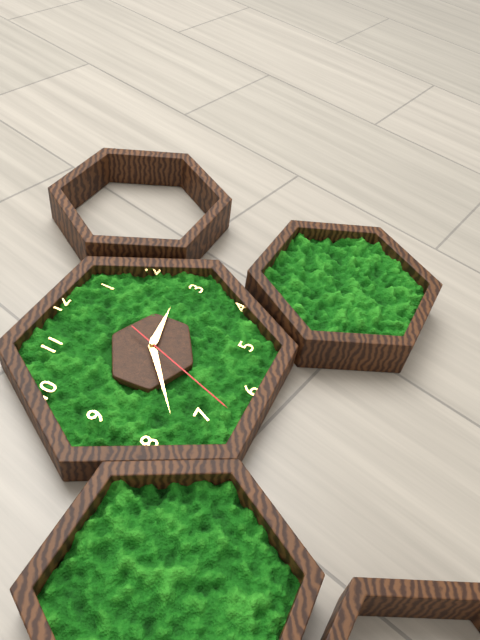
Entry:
2.38.33
